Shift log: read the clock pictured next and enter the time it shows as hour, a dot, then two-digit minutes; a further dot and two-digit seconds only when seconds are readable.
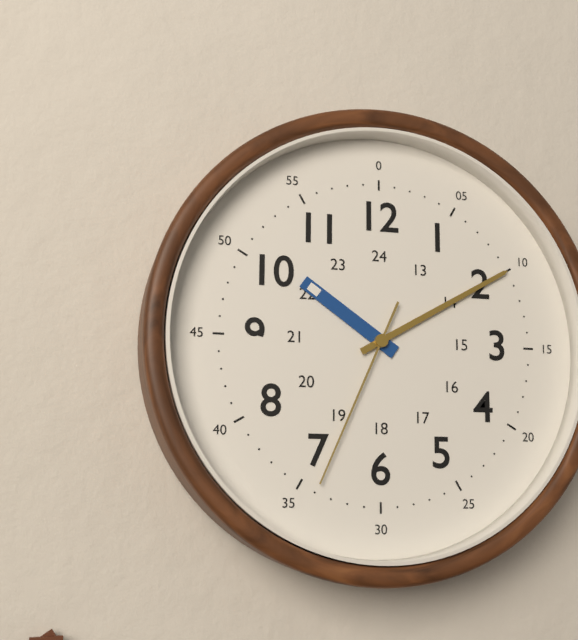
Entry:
10.10.34
